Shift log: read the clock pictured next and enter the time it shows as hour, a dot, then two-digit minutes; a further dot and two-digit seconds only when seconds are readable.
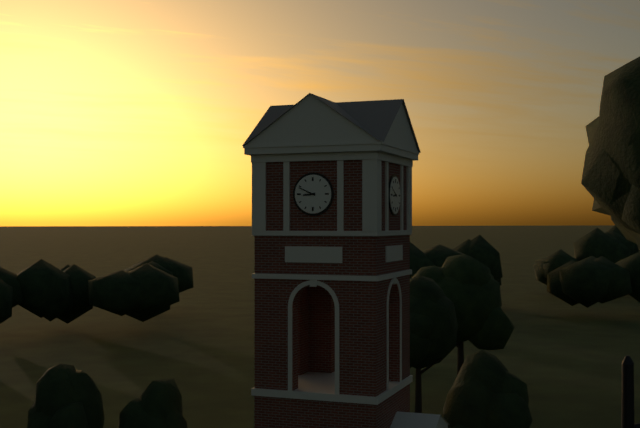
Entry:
8.49
